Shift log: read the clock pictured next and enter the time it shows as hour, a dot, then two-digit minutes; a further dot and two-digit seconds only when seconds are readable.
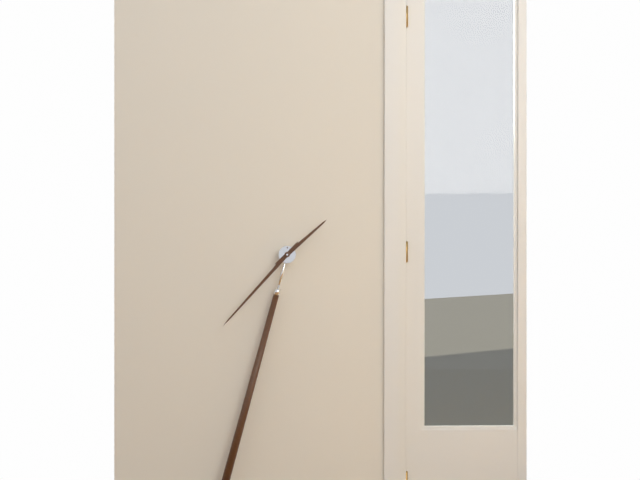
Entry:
1.37
